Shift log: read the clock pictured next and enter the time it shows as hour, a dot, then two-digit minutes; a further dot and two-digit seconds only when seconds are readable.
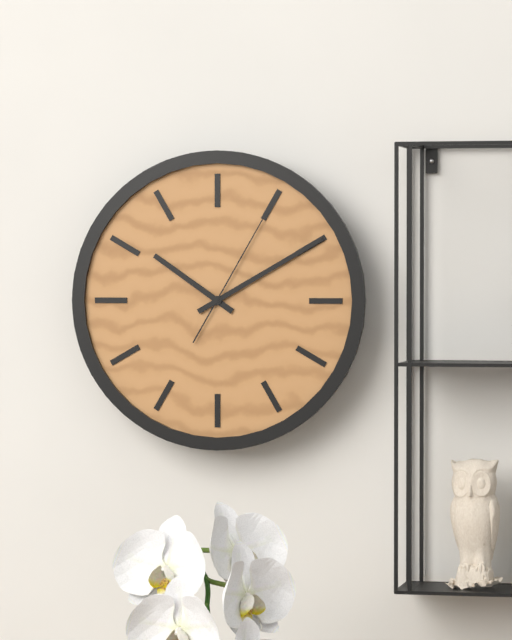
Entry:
10.10.05
